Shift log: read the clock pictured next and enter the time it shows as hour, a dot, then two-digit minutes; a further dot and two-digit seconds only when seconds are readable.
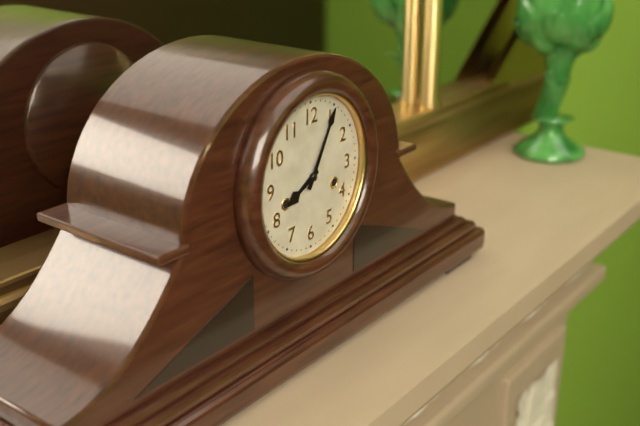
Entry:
8.05
